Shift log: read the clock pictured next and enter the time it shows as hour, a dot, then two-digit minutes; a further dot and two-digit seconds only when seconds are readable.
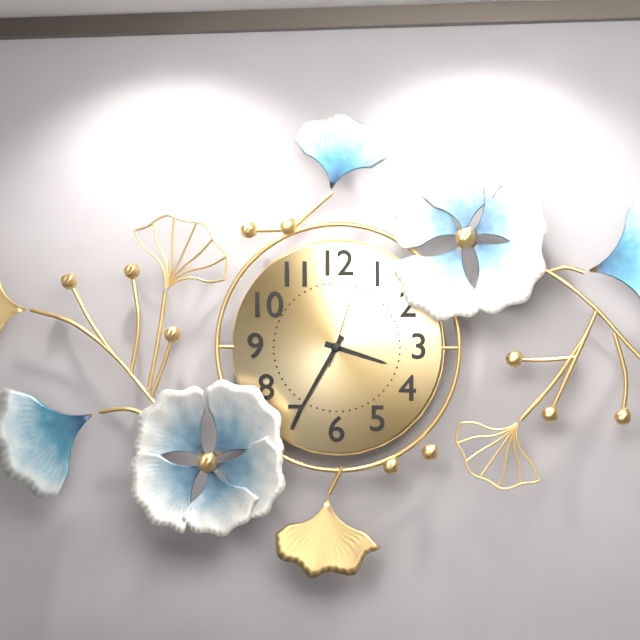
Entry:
3.35.03
